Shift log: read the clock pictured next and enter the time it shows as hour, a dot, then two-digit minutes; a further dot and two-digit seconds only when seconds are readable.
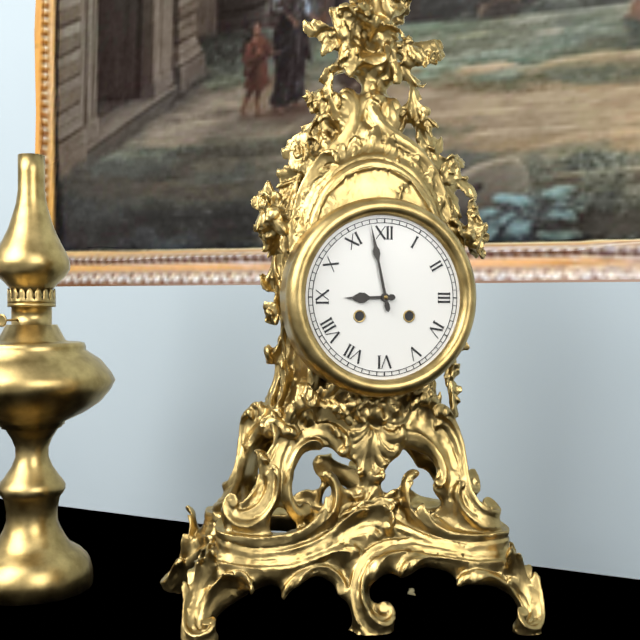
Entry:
8.58
